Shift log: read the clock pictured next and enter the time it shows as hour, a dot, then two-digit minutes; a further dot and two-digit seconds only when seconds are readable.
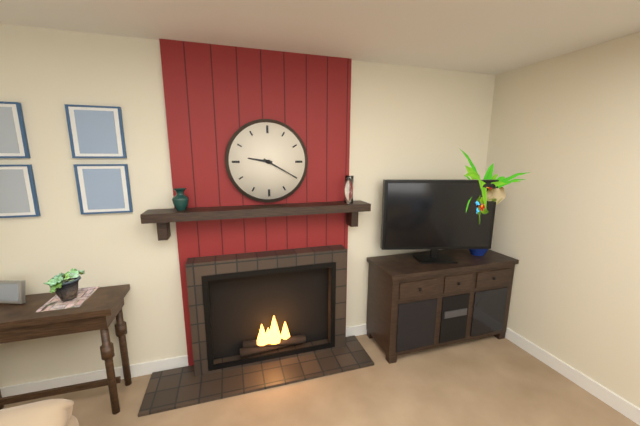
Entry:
9.20
